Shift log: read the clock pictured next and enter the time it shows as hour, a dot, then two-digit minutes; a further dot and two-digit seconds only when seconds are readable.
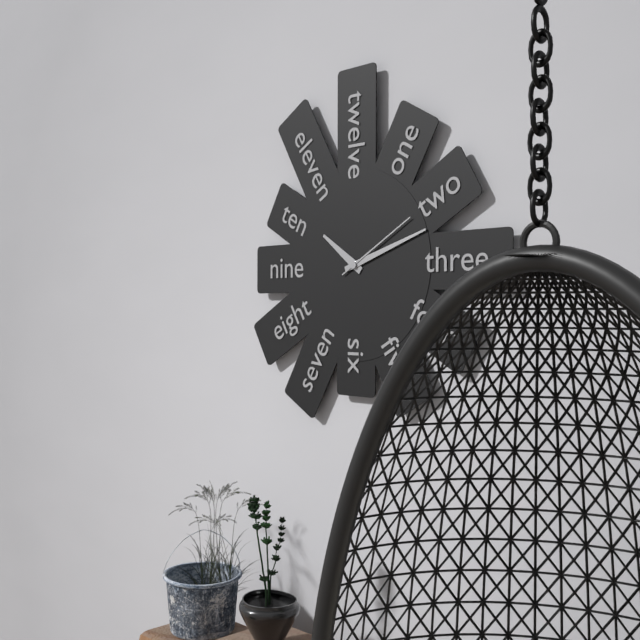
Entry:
10.12.10
